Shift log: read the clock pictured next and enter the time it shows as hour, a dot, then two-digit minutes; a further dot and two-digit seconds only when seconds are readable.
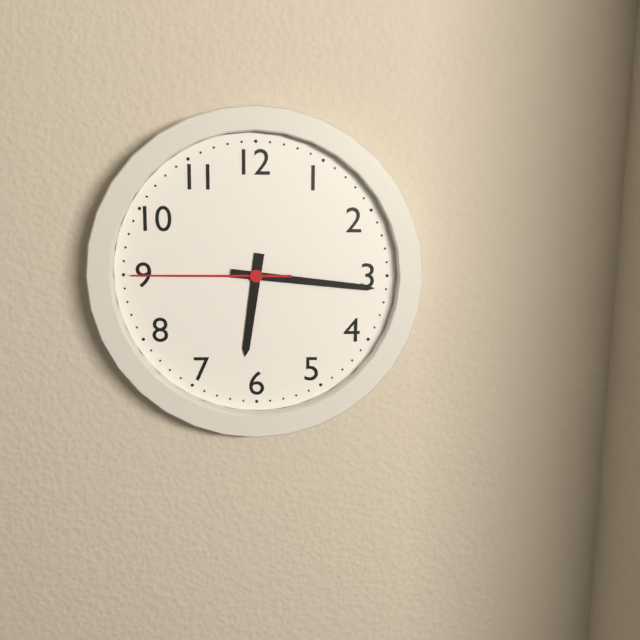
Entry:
6.16.45
